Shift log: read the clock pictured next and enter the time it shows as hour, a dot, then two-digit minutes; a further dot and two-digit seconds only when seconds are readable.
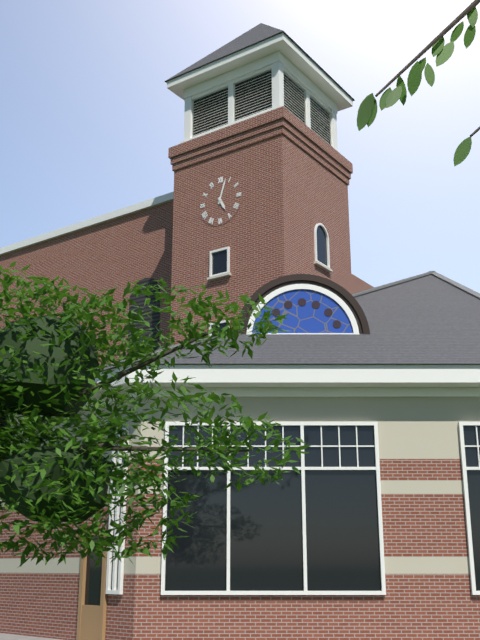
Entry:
5.03
